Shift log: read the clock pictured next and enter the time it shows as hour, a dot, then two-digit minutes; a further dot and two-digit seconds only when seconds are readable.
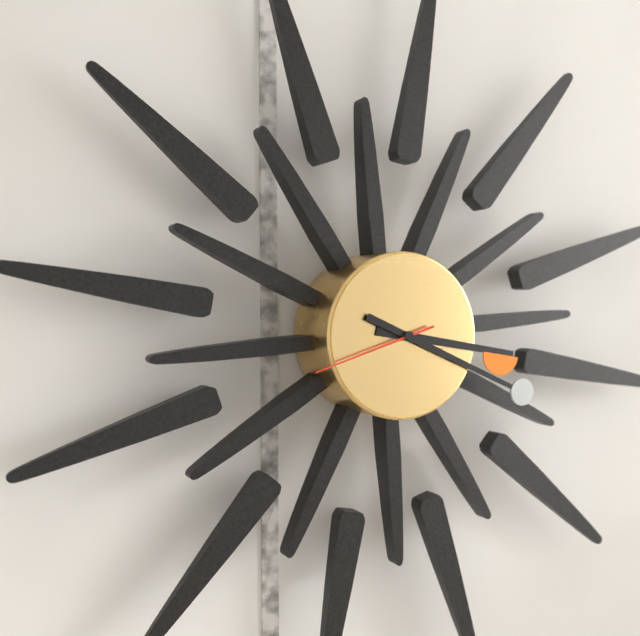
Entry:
3.19.42
